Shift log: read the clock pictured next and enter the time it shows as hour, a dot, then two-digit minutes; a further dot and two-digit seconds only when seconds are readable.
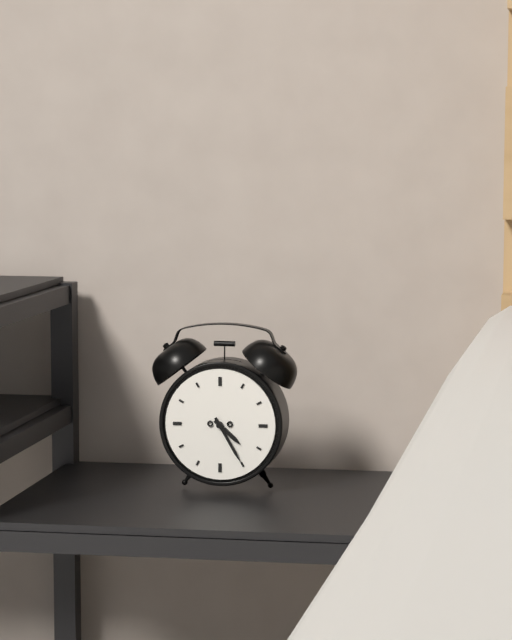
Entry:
4.25
